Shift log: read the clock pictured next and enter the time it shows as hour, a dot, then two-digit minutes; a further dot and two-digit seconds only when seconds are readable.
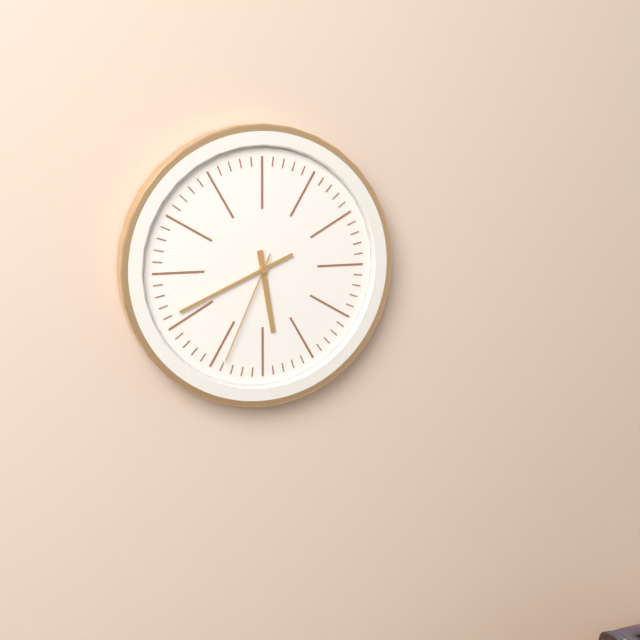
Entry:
5.41.34
